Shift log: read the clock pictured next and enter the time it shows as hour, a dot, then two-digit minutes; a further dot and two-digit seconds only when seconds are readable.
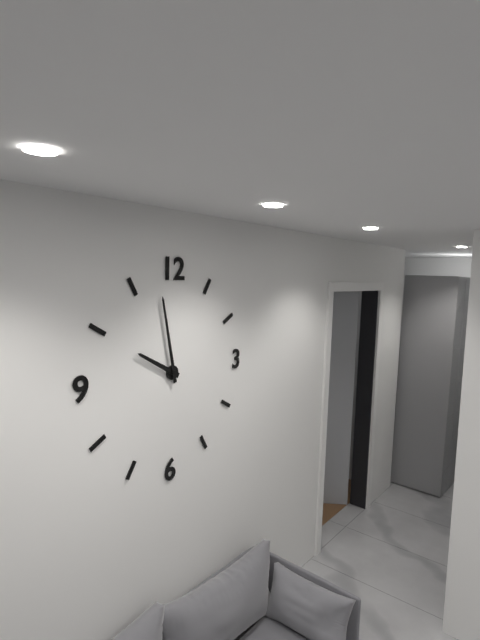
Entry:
9.58
